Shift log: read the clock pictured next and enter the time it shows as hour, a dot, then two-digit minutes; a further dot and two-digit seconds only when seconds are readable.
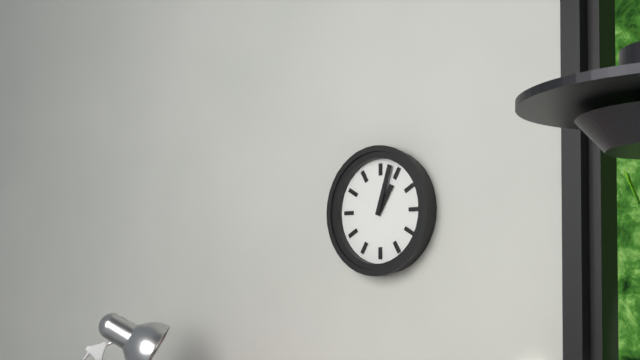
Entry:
1.03
